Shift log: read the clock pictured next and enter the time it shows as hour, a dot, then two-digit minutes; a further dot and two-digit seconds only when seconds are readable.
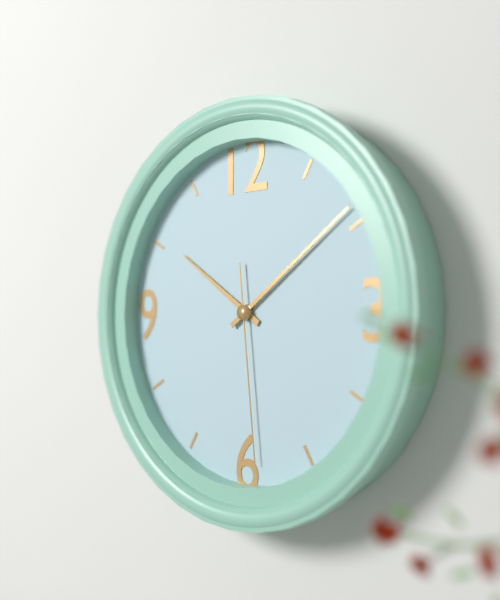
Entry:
10.09.29
